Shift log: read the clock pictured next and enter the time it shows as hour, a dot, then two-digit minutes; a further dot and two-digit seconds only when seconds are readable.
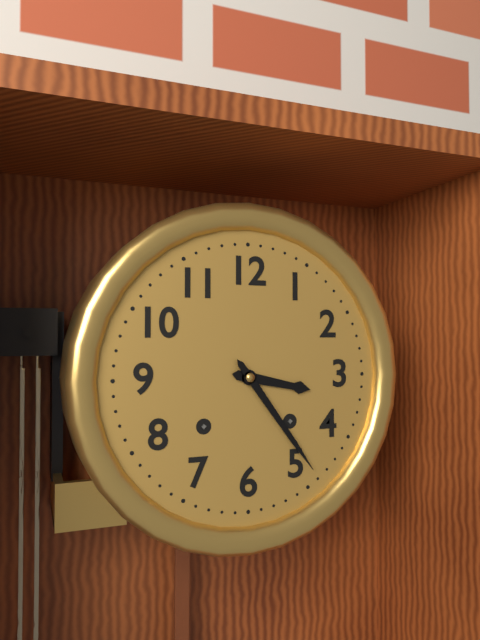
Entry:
3.24
